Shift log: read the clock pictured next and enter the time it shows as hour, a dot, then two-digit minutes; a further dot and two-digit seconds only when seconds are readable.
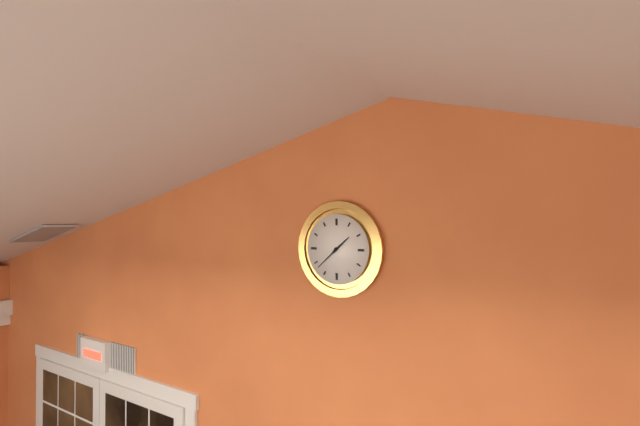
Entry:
1.38
